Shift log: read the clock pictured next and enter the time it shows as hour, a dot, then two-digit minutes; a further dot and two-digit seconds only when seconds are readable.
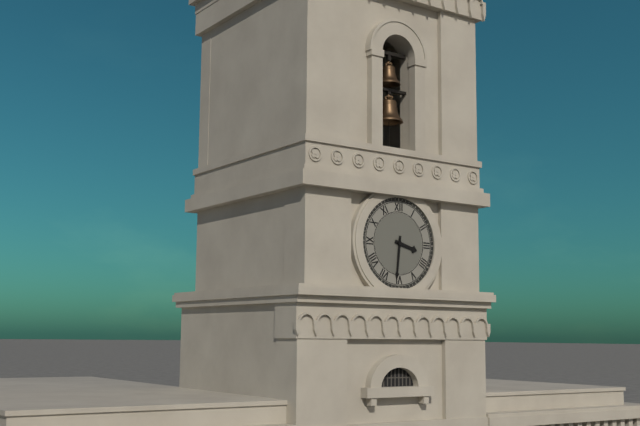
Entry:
3.31
